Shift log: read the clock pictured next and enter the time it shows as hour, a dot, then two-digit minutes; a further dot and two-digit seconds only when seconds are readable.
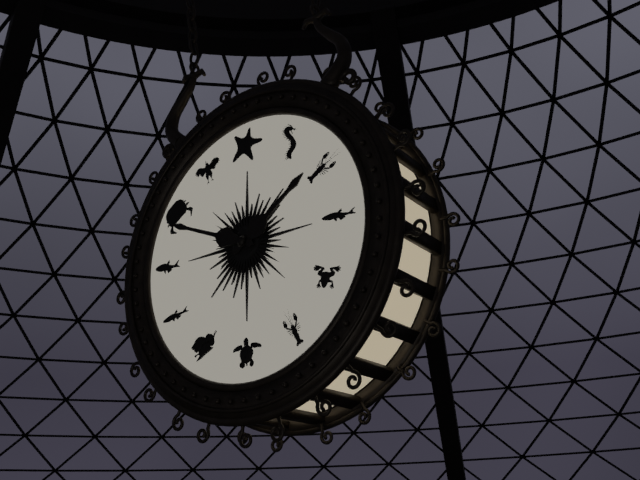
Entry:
1.49
